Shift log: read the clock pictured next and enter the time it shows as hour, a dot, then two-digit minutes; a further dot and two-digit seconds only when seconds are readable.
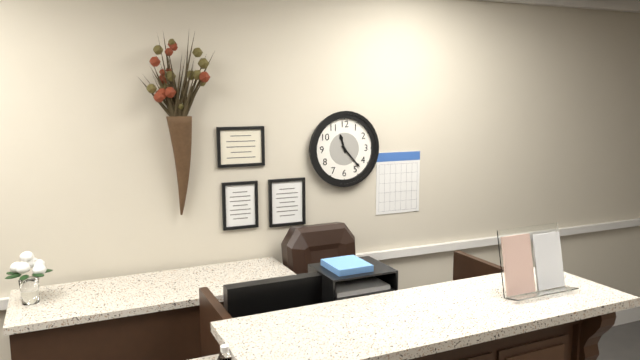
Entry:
11.23
